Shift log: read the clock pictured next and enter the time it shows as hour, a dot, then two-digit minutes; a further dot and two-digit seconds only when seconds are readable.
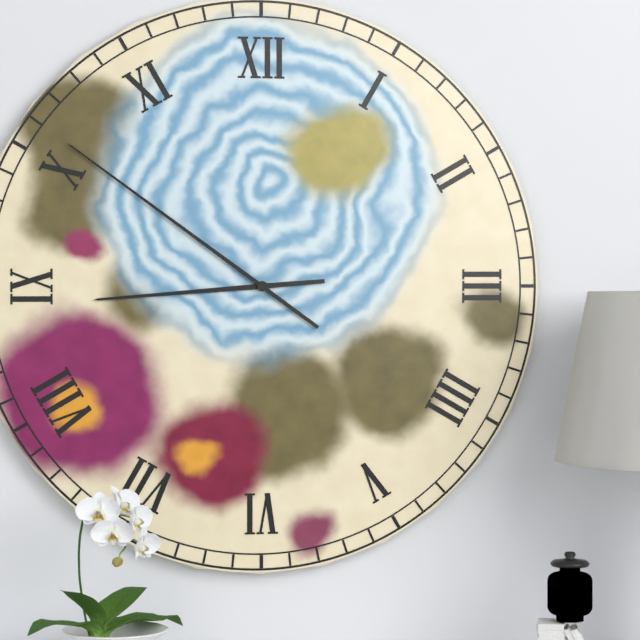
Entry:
8.51
